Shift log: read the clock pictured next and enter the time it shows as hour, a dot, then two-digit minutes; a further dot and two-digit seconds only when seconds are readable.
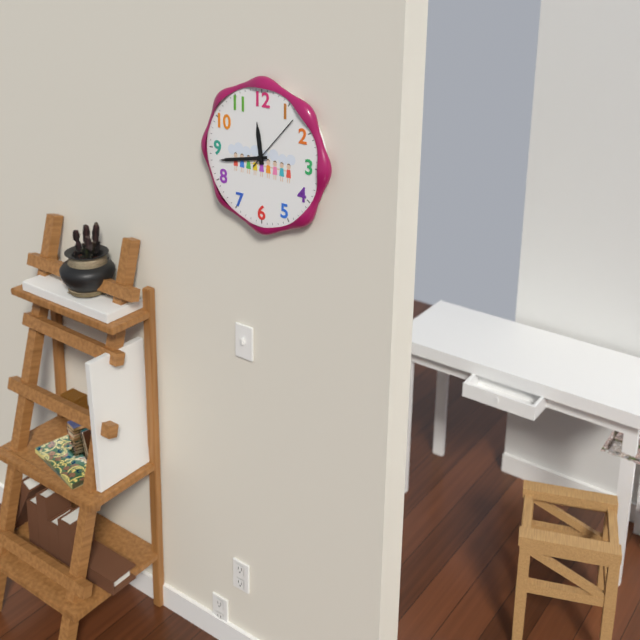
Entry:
11.43.07
